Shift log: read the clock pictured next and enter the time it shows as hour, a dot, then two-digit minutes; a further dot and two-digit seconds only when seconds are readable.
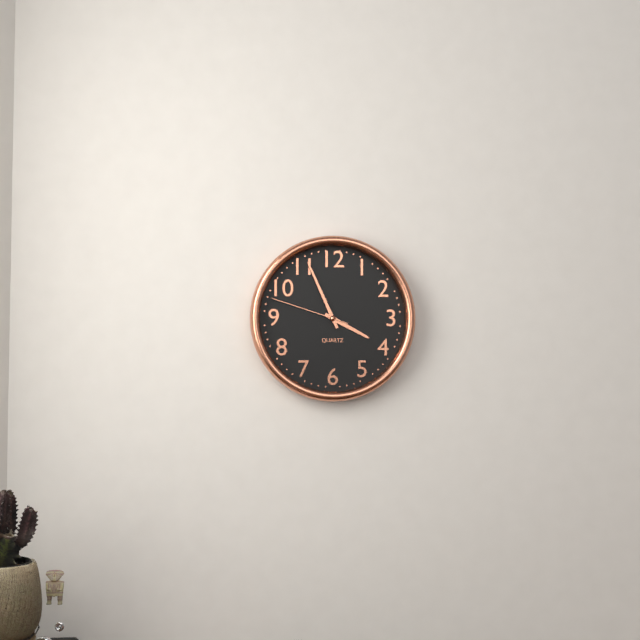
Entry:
3.56.48
